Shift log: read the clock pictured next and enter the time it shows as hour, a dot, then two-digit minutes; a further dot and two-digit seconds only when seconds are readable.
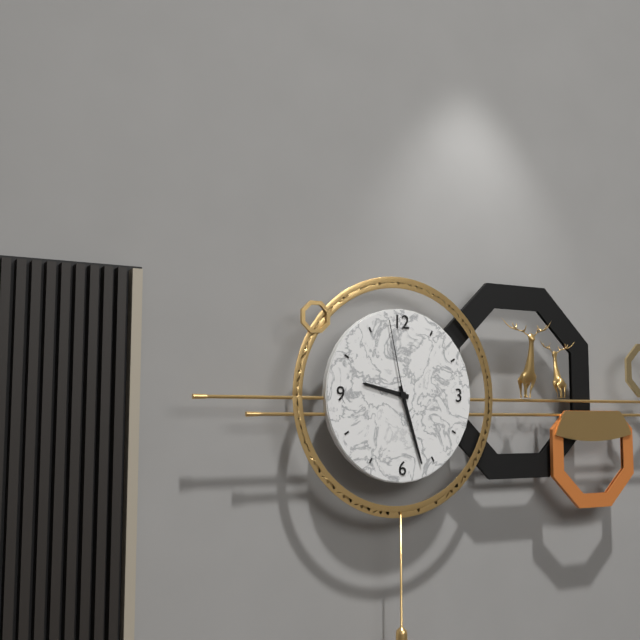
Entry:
9.27.58
